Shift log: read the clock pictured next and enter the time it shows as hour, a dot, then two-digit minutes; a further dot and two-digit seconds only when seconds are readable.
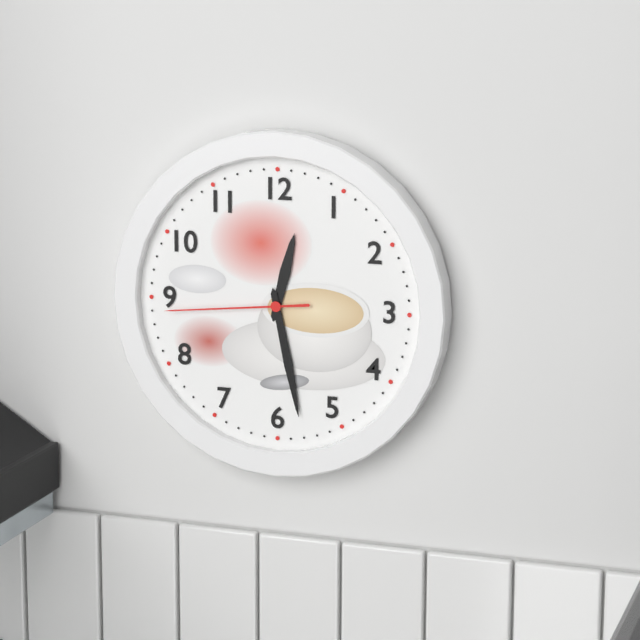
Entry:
12.28.44
